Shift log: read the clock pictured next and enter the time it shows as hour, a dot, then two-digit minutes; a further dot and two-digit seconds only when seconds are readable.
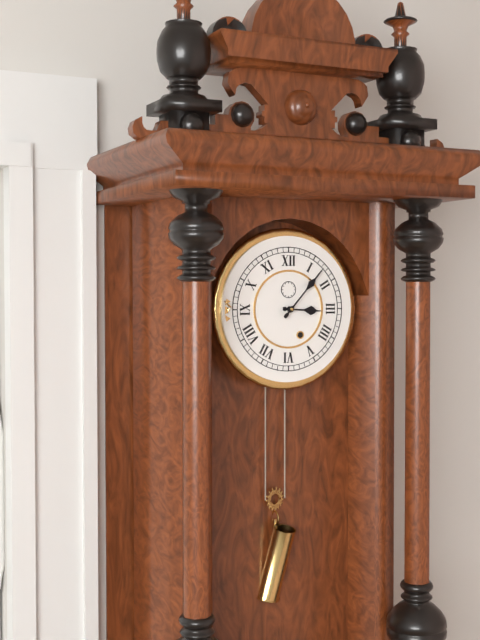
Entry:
3.07
